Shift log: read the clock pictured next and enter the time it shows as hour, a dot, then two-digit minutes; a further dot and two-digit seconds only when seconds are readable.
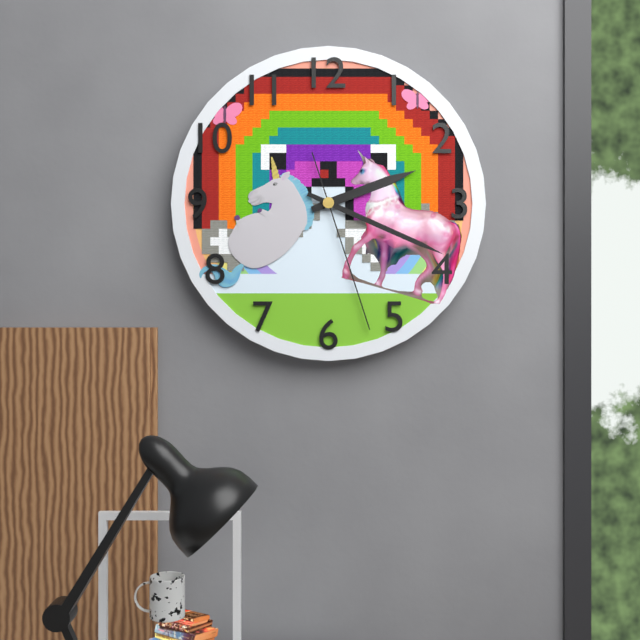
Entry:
2.19.27
